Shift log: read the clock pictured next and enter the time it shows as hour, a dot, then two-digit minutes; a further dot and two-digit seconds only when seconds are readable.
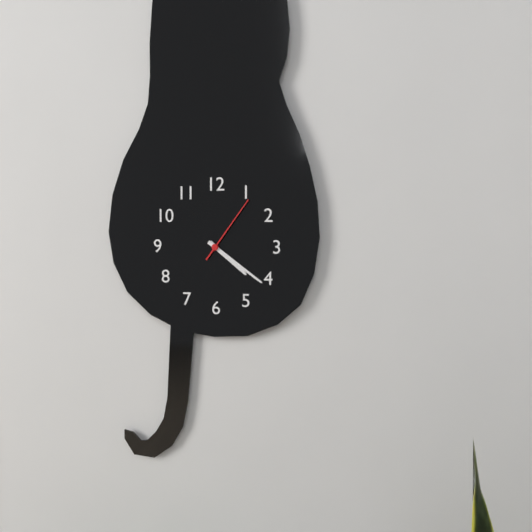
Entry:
4.21.06
